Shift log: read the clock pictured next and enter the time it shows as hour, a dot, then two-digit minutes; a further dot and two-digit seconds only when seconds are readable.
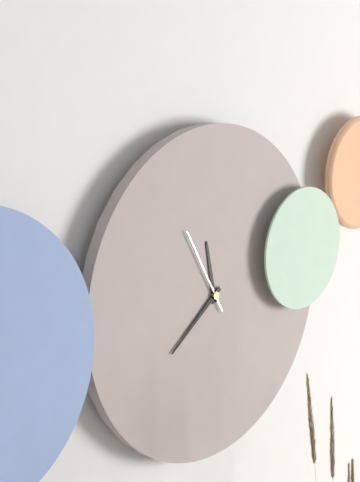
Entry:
11.39.55
